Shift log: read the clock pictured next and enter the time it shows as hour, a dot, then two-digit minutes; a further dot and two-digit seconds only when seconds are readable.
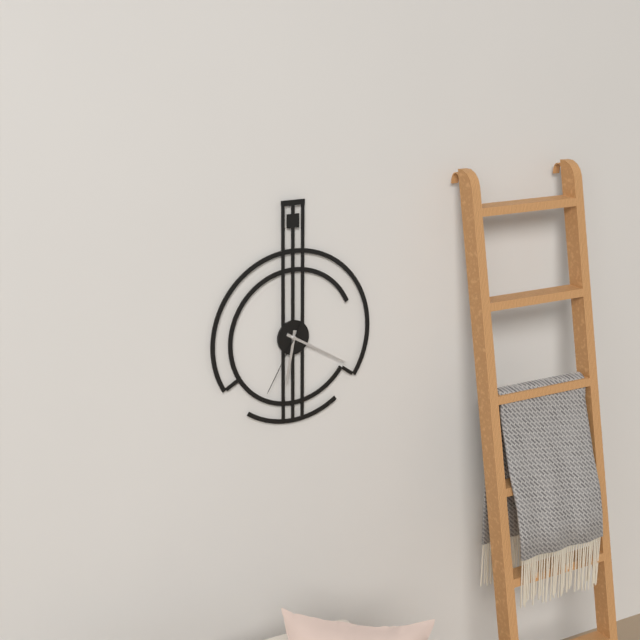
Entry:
6.20.35
